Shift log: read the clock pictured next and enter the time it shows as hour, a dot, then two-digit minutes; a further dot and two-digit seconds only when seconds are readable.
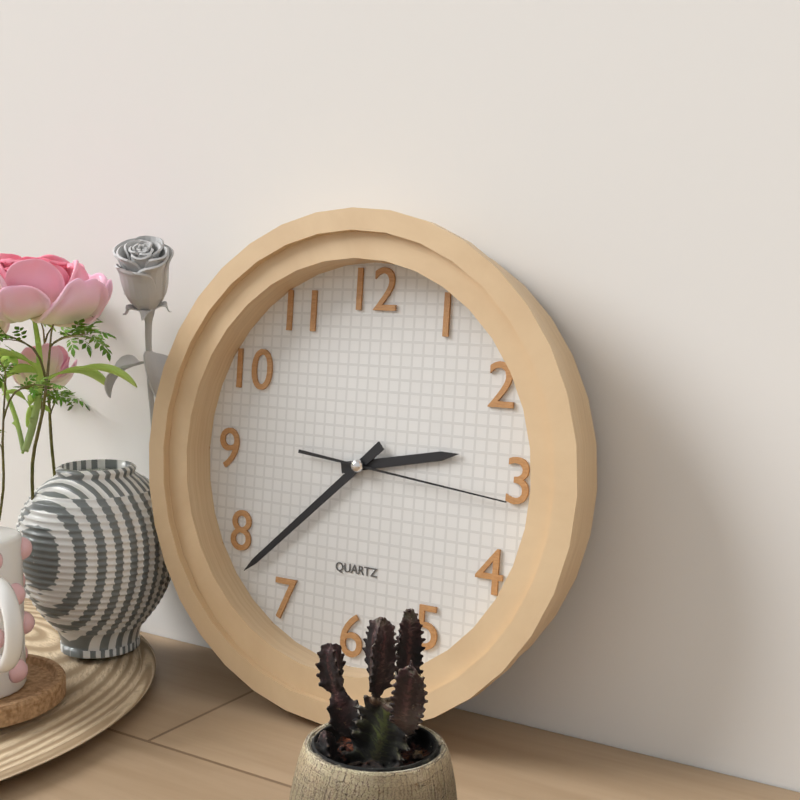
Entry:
2.38.16
